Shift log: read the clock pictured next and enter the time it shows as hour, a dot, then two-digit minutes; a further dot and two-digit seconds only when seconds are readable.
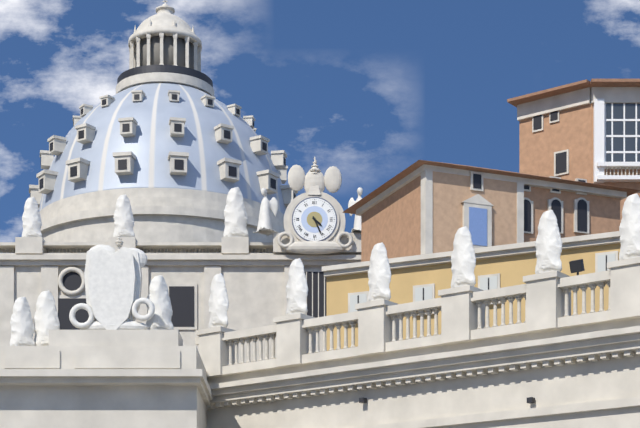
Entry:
4.26
